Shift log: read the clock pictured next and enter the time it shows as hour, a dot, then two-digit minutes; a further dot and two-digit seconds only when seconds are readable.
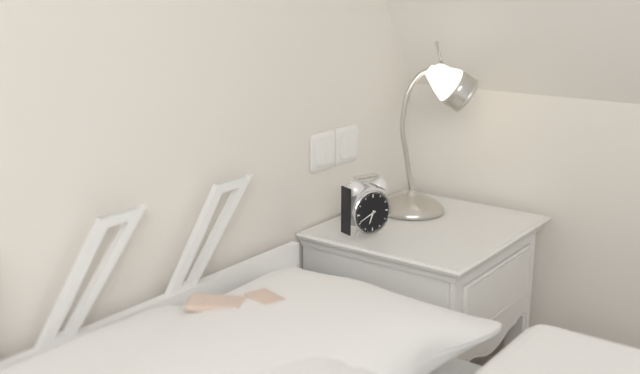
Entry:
6.41
